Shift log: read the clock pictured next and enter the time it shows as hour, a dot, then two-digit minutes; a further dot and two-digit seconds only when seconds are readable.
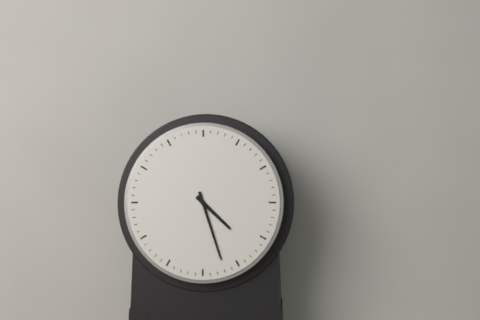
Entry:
4.27
